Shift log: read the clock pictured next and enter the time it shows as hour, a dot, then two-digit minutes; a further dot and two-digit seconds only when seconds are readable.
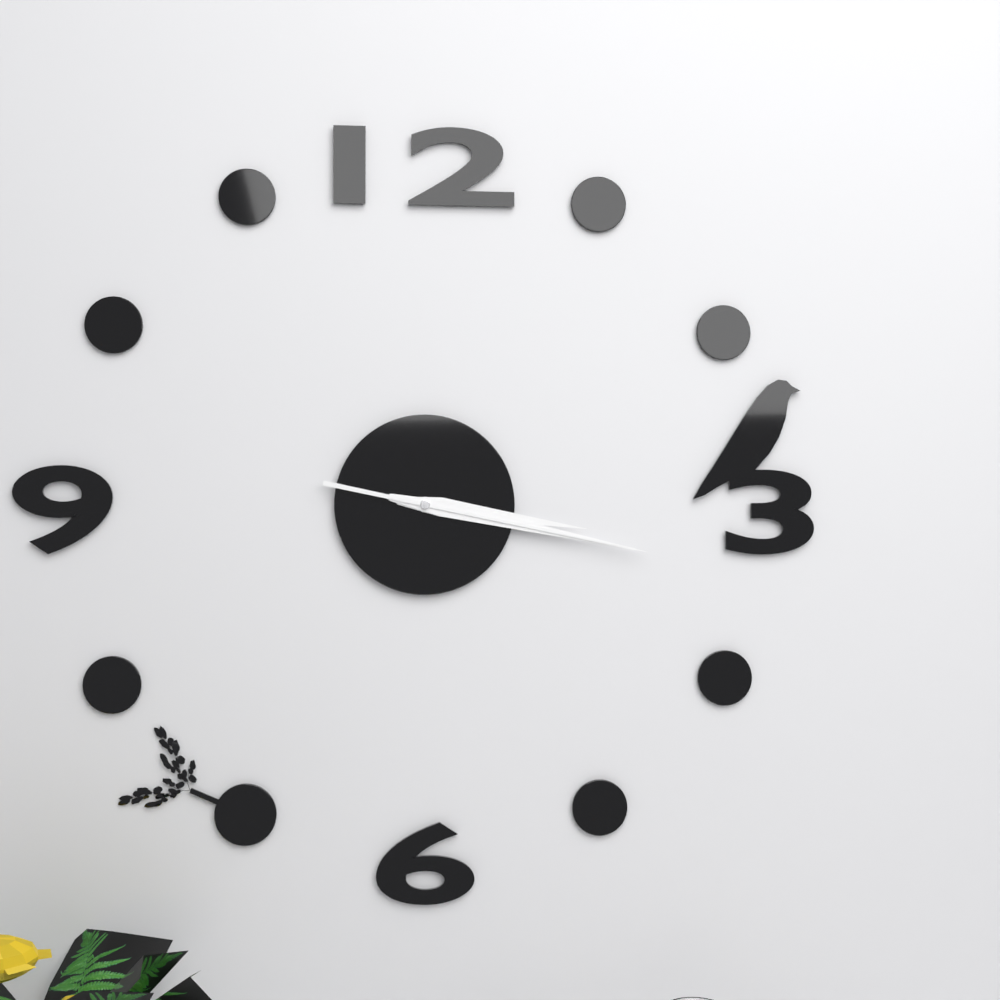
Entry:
3.17.17
